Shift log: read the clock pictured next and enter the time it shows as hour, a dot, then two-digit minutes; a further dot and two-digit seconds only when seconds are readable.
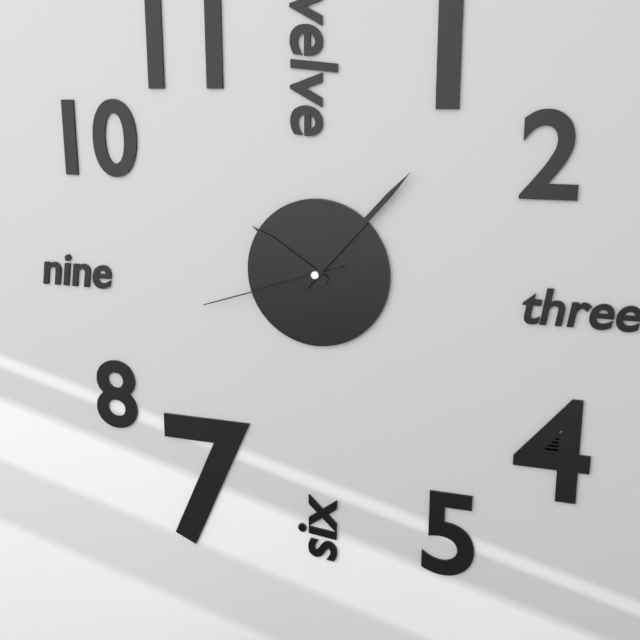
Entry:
10.07.42
